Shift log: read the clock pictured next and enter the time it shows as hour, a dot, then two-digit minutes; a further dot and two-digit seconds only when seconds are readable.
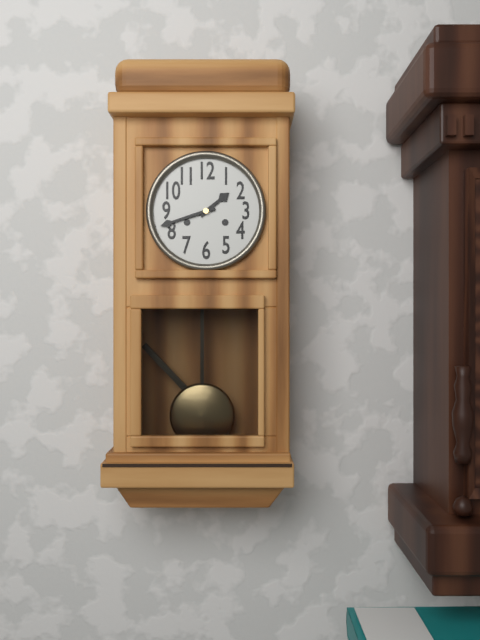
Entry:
1.42
